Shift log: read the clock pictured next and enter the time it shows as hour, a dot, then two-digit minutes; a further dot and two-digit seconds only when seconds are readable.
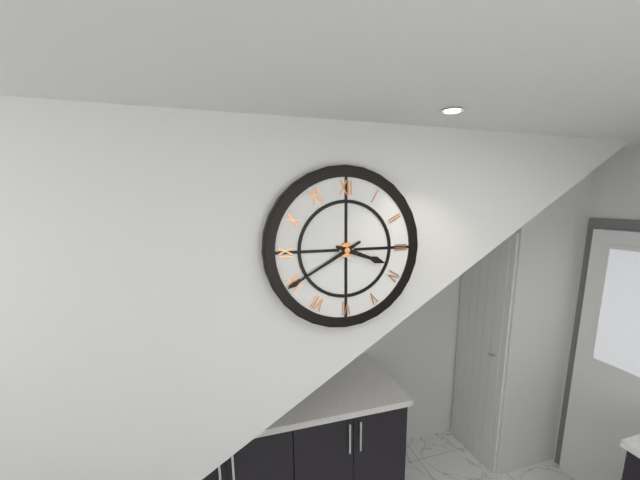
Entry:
3.40
